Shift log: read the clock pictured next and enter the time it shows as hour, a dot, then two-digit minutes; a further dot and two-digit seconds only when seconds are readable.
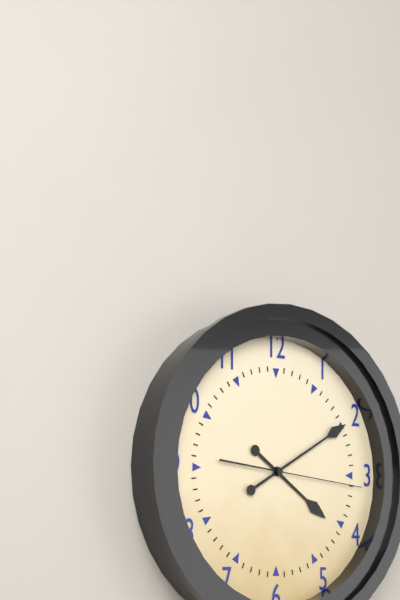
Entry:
4.10.16
